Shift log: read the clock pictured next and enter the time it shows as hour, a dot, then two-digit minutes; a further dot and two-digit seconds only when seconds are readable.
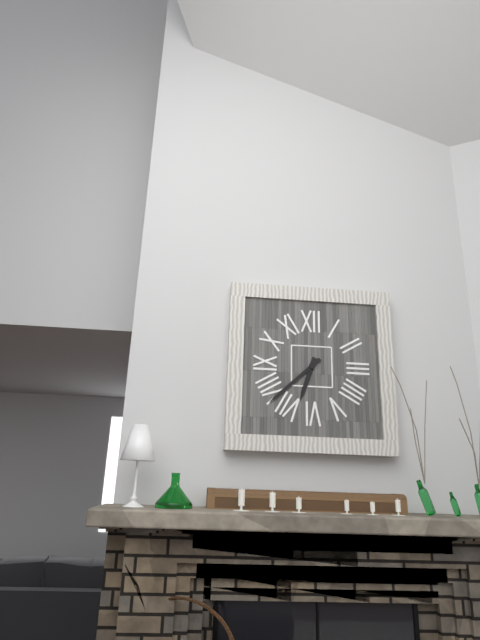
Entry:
6.38
